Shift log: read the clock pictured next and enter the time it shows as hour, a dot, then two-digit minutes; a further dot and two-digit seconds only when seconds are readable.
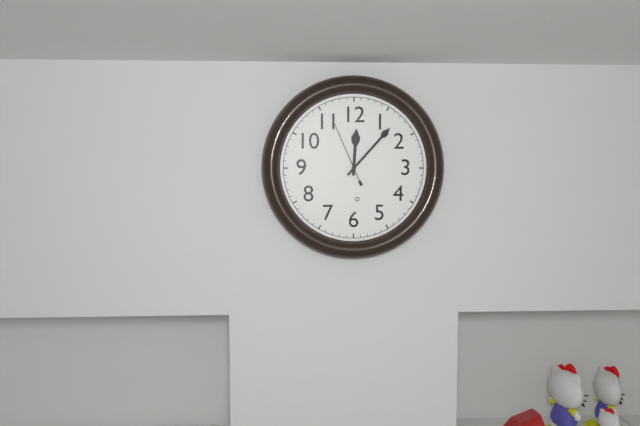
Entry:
12.07.56
